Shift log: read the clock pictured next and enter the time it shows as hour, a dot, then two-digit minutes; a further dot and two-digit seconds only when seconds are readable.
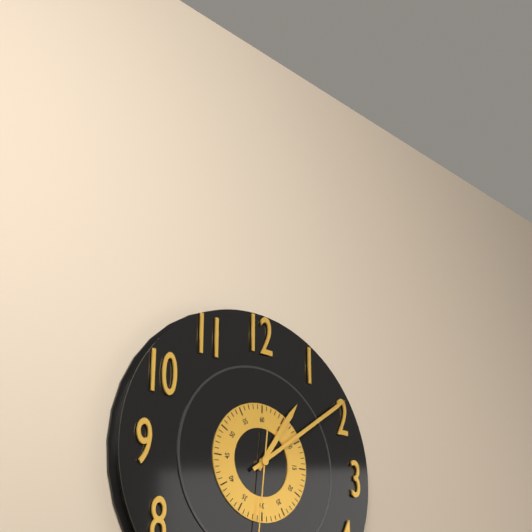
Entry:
1.09
